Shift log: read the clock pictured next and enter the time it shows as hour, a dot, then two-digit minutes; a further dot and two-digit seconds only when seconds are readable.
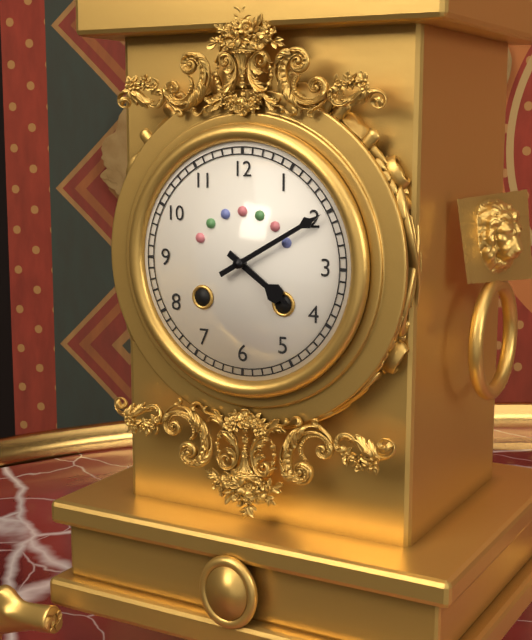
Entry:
4.10
